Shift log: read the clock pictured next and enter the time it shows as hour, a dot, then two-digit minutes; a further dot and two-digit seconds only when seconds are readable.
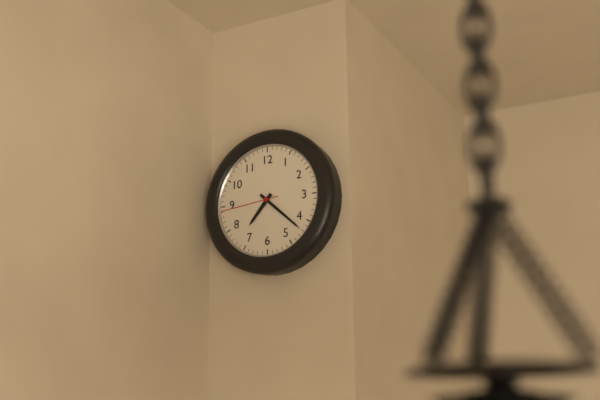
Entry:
7.22.44
